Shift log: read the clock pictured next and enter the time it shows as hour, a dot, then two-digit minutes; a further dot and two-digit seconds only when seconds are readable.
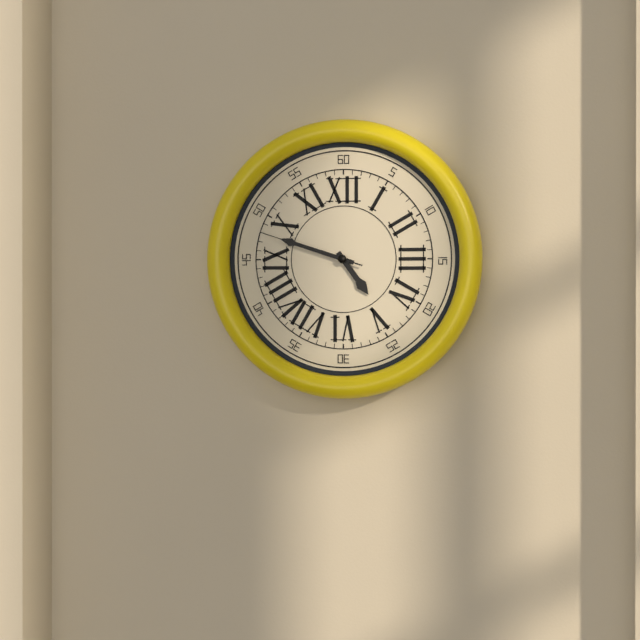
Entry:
4.48.48
